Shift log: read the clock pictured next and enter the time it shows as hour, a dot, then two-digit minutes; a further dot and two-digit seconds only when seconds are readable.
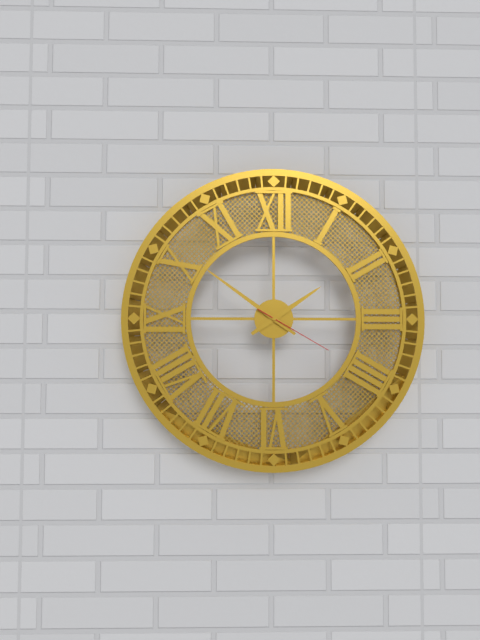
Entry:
1.51.20
